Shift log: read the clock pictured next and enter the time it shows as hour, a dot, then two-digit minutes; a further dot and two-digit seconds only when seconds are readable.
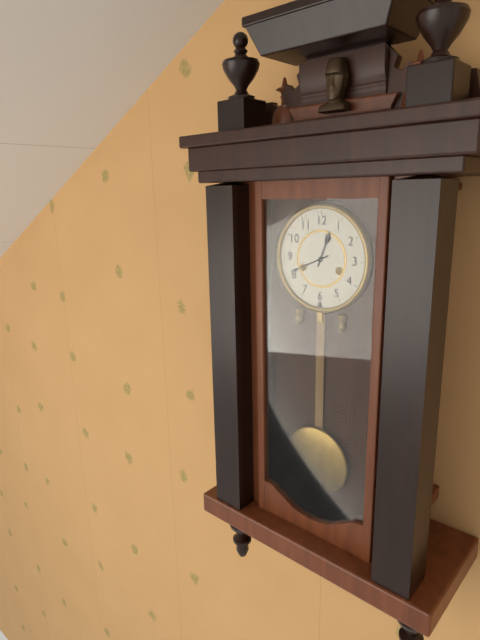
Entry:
12.41
